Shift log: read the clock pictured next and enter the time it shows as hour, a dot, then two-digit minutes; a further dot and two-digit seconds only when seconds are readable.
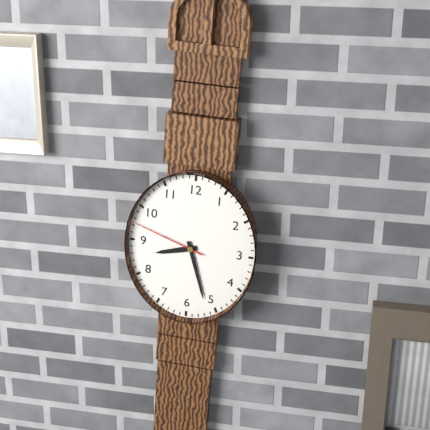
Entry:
8.27.48
